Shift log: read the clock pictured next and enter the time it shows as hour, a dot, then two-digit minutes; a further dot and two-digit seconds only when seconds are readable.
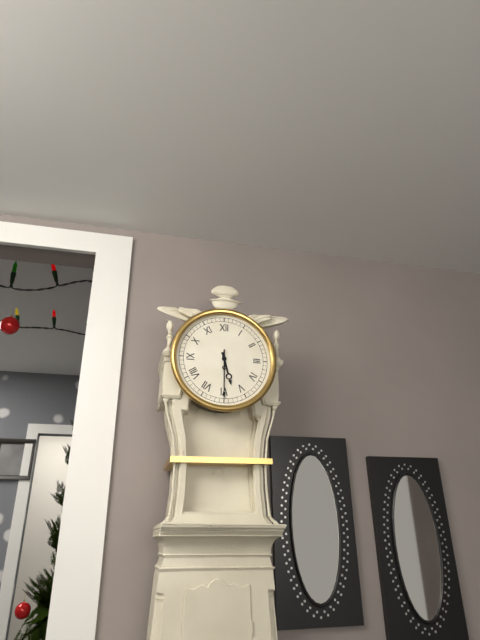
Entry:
5.30
